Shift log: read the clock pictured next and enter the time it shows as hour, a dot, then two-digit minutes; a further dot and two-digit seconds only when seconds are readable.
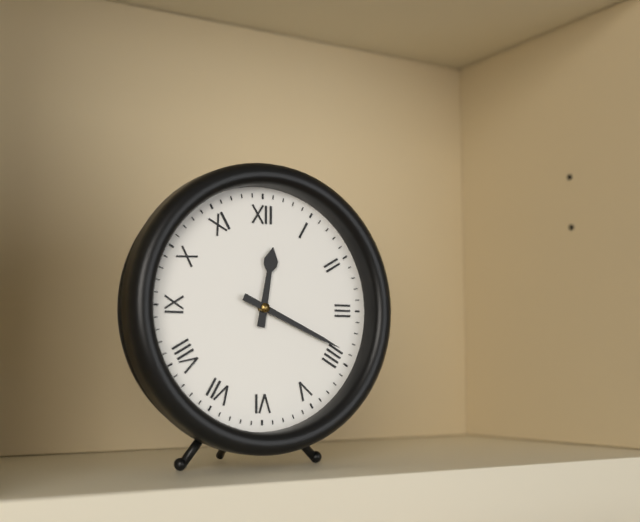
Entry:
12.19
